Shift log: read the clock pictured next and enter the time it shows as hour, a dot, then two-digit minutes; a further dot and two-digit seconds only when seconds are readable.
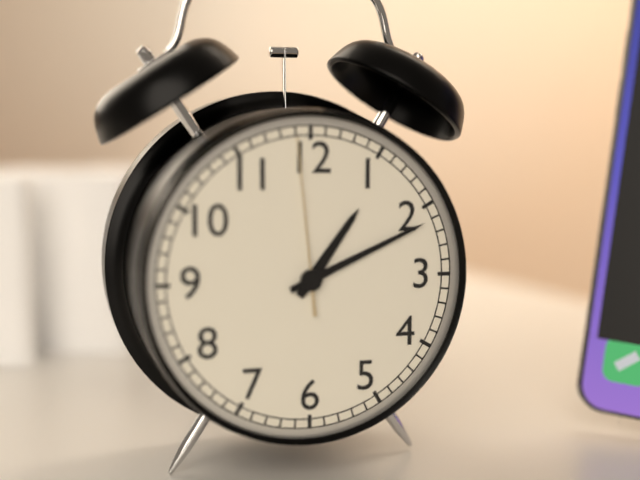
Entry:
1.11.59
